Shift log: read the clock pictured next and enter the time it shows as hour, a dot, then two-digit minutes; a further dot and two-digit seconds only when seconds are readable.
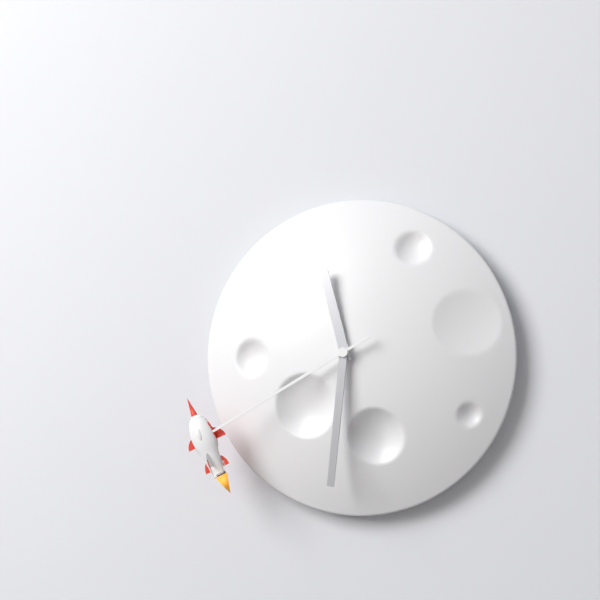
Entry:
11.31.40
